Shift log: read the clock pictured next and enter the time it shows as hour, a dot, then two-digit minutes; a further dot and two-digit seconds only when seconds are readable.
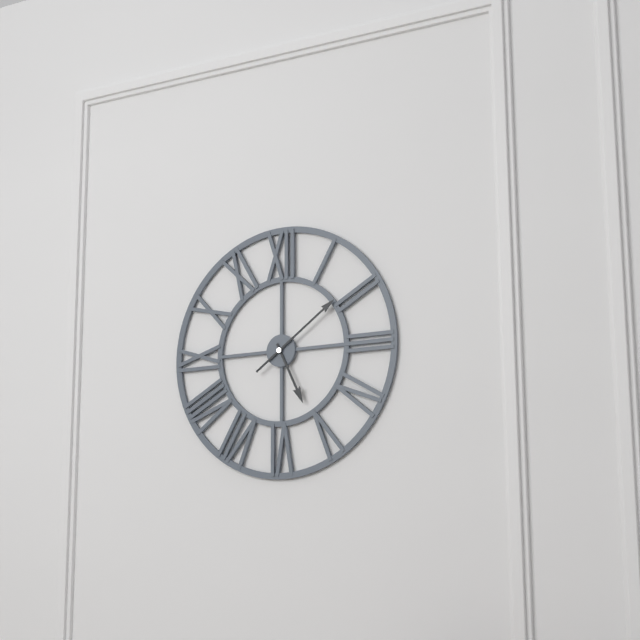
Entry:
5.09
